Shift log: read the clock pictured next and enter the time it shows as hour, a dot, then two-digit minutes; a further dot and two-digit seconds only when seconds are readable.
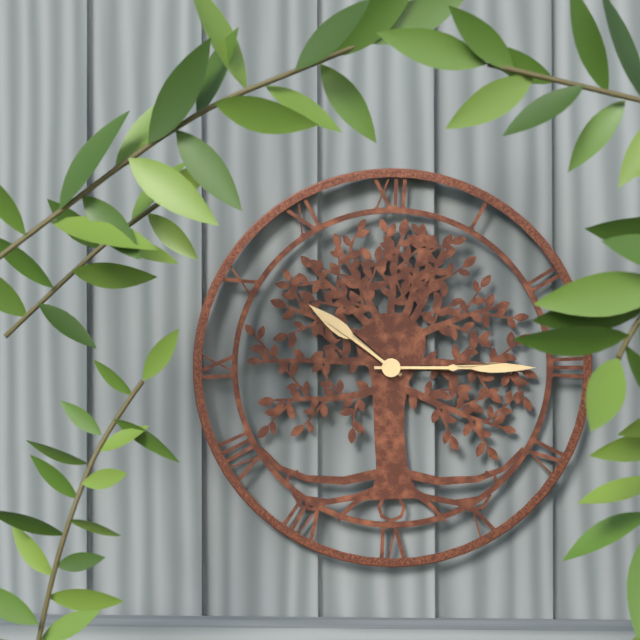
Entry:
10.15
